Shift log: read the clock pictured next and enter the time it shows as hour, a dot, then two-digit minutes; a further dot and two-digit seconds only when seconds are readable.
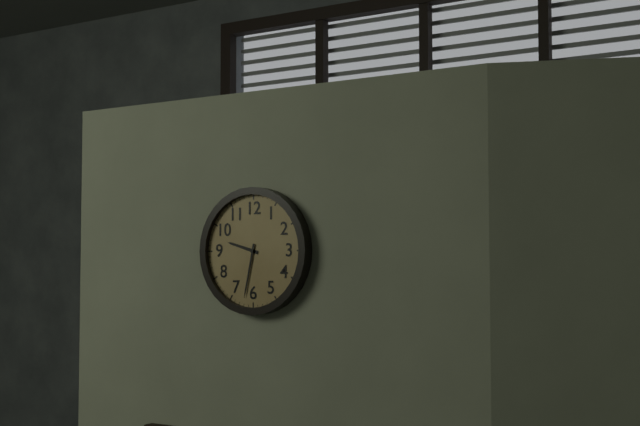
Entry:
9.32
